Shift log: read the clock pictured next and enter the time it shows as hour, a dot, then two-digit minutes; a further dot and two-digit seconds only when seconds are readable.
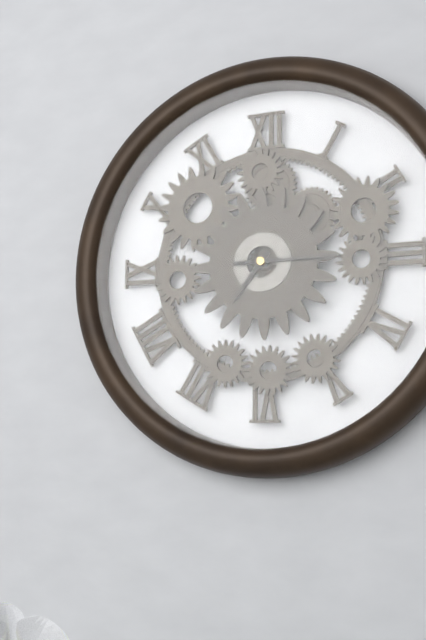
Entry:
7.15
